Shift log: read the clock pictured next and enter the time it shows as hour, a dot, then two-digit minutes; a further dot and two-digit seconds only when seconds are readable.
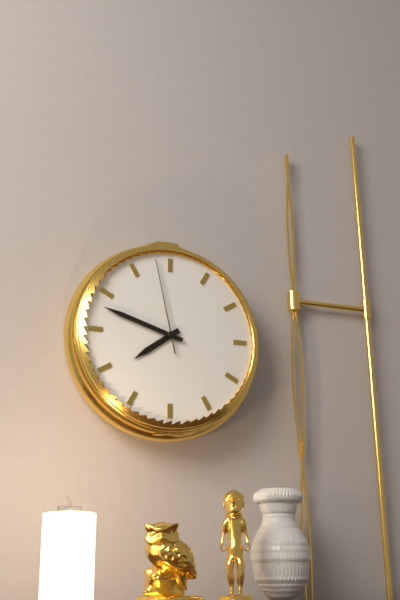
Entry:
7.48.58
